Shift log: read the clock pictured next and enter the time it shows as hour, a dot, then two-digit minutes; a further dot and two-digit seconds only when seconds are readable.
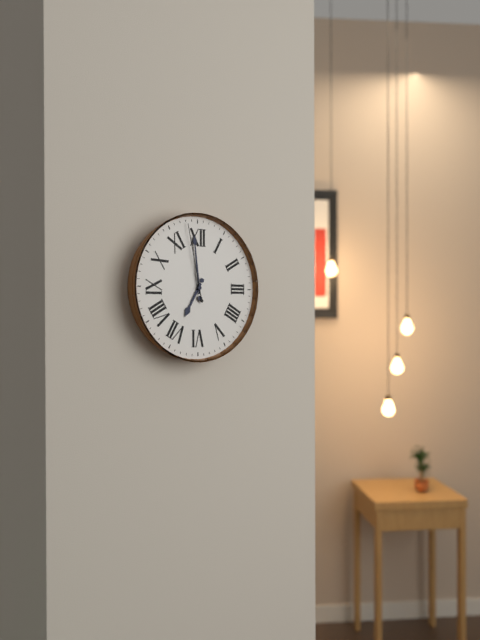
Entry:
6.59.58
